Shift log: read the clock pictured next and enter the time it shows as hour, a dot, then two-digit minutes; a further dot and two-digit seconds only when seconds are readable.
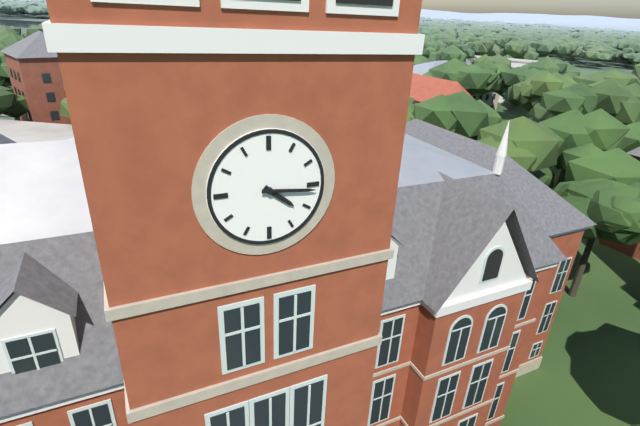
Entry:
4.16
